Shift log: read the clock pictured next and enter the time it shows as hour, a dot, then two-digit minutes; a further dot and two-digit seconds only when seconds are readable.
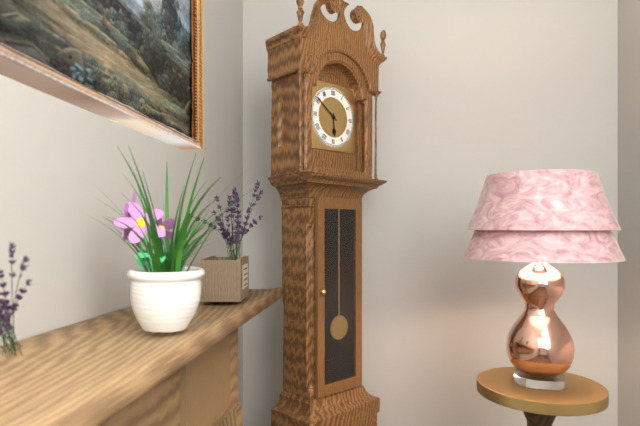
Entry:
5.51
